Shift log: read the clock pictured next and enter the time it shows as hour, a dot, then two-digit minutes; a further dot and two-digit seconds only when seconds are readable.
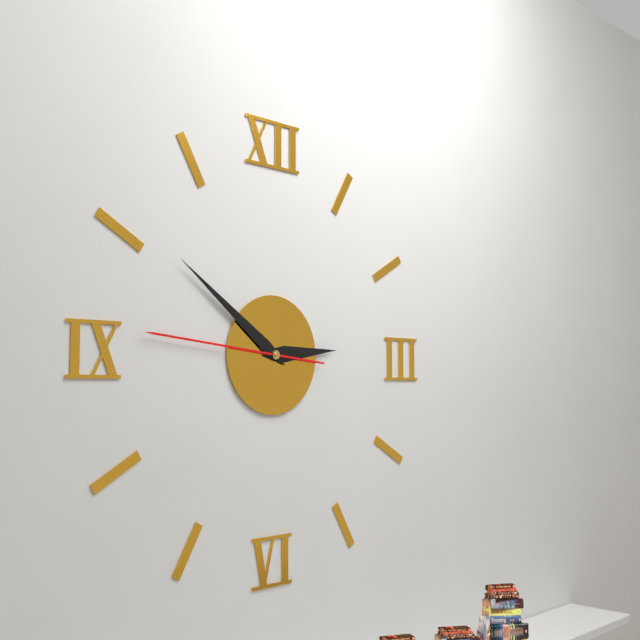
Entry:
2.51.46
